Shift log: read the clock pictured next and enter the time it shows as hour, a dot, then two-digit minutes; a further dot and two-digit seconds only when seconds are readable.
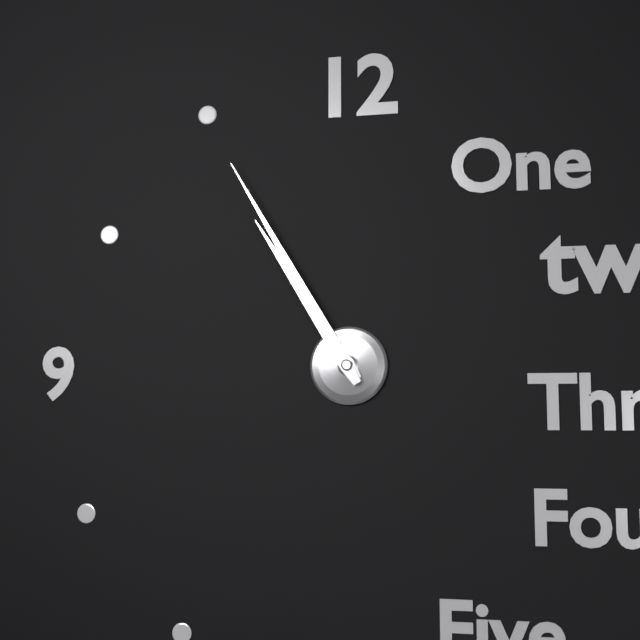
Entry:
10.55
